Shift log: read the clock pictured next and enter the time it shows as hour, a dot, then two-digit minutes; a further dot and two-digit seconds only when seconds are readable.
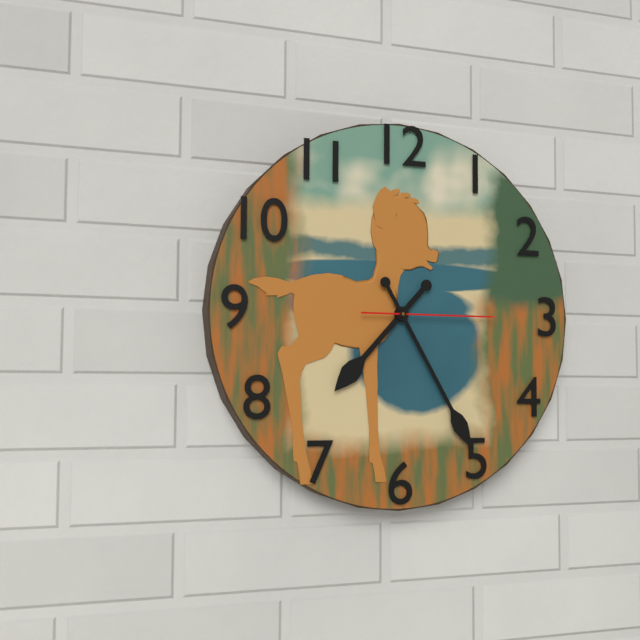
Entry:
7.25.15
